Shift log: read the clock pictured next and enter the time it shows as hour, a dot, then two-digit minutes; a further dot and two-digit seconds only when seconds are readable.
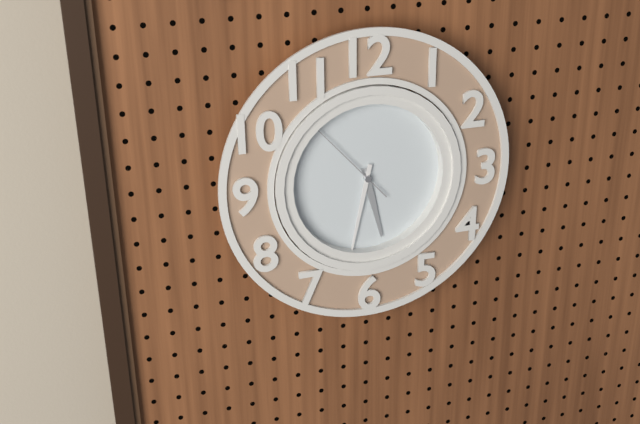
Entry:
5.32.53
